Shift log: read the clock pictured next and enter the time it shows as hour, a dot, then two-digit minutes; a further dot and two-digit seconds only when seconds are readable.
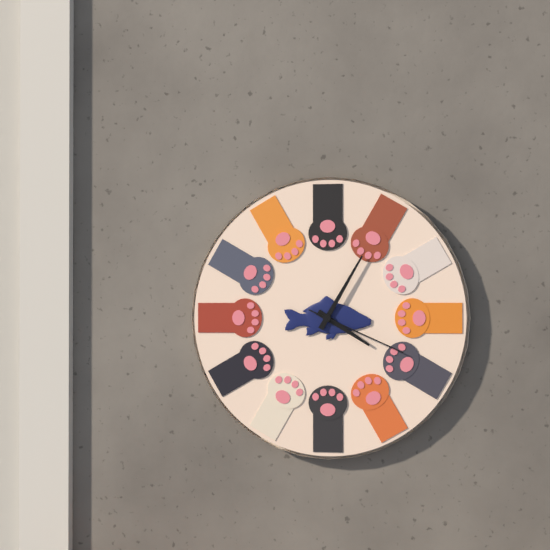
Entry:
4.05.19
